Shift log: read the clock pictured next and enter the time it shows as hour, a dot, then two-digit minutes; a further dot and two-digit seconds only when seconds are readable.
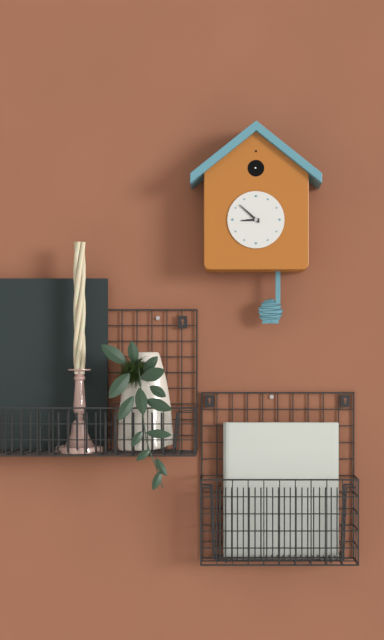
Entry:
8.52
